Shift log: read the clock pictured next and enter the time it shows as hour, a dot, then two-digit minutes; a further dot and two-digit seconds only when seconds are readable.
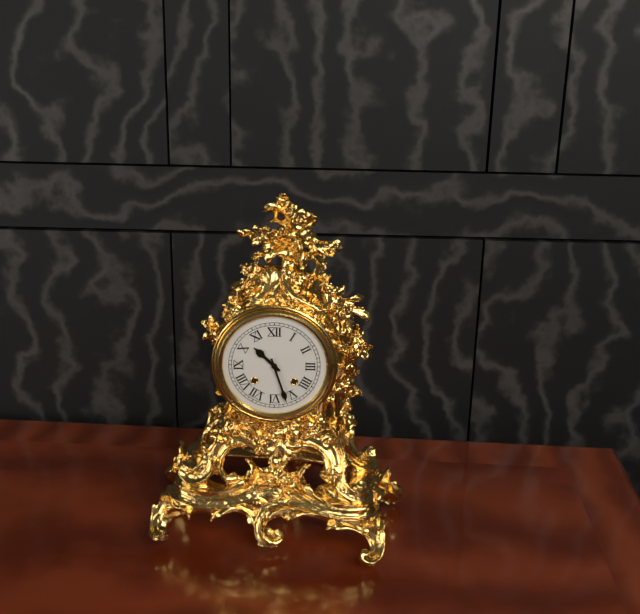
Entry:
10.27
